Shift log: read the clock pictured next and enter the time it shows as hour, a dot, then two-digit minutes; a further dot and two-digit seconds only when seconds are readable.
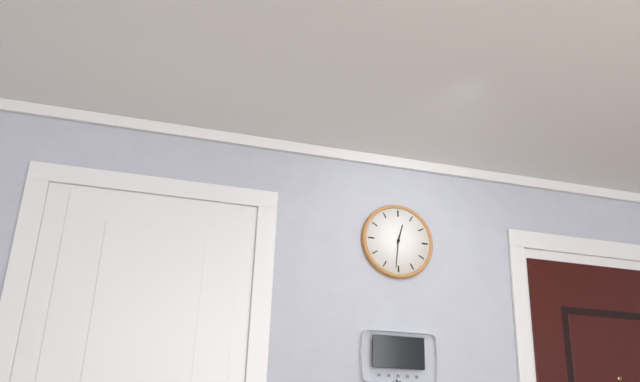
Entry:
12.31
